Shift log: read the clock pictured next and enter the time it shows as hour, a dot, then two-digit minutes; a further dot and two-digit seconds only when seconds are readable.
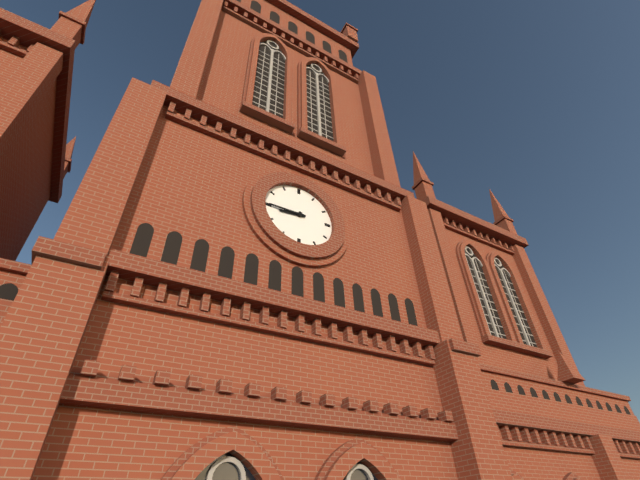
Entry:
8.45
